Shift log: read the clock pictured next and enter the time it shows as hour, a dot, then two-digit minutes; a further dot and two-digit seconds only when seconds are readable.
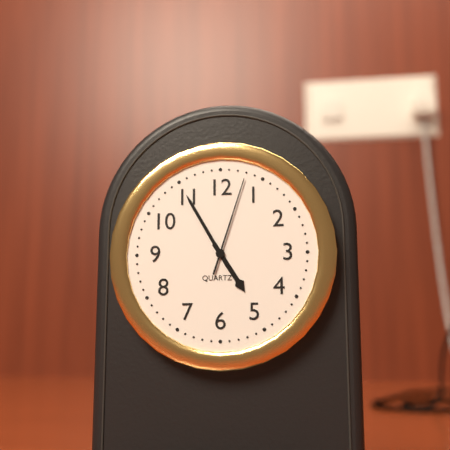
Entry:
4.55.03
